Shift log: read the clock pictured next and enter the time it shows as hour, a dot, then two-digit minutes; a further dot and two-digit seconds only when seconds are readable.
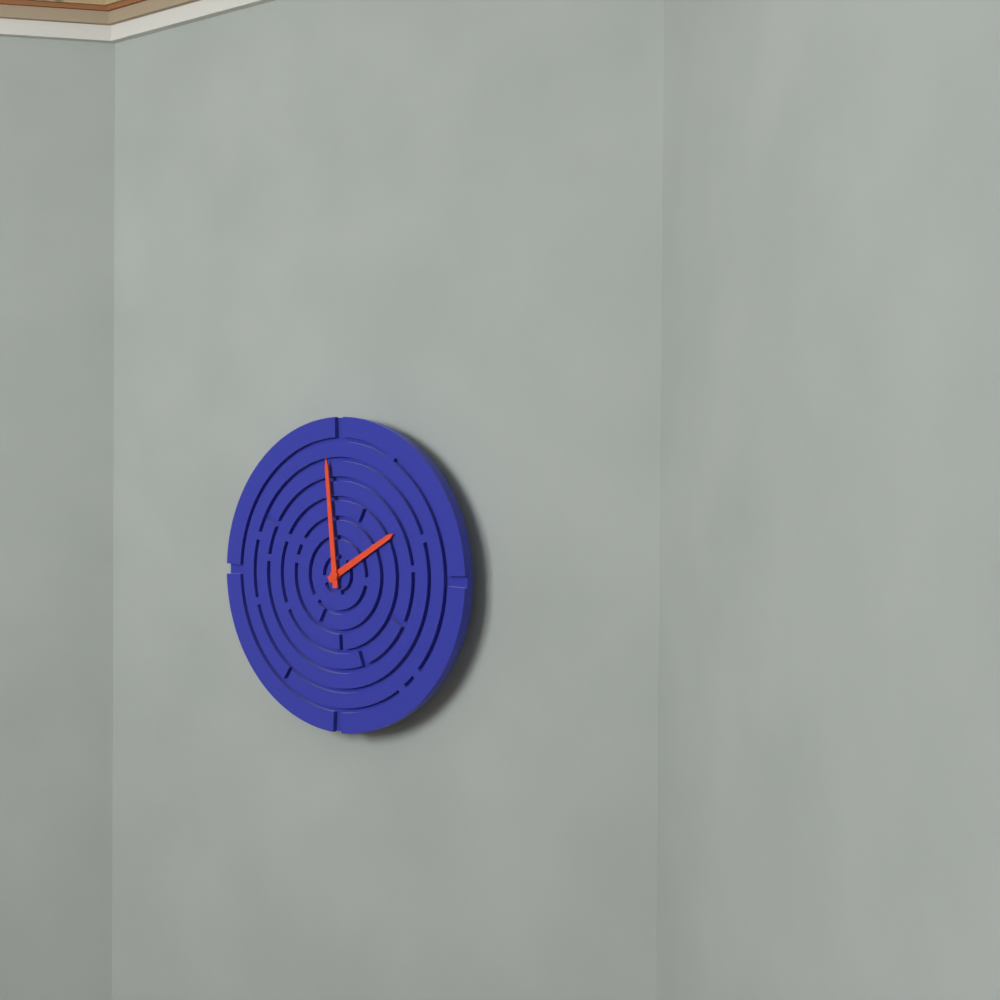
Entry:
1.59
